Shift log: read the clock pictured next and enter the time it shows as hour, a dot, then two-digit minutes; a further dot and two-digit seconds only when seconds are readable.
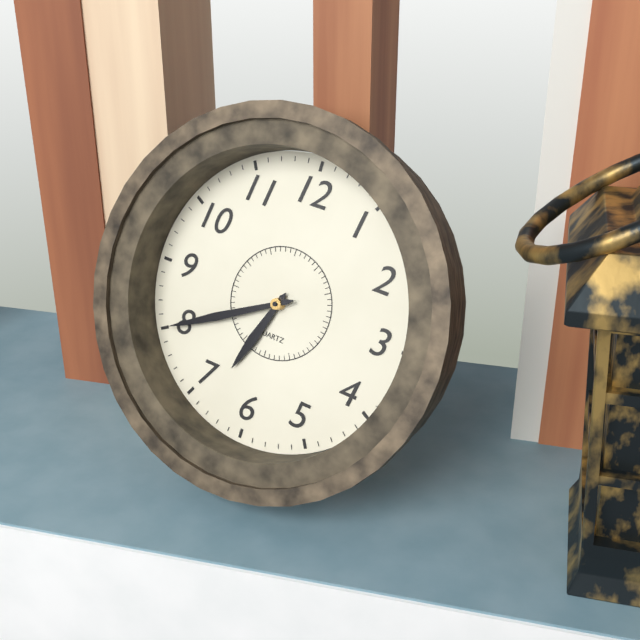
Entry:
6.40
